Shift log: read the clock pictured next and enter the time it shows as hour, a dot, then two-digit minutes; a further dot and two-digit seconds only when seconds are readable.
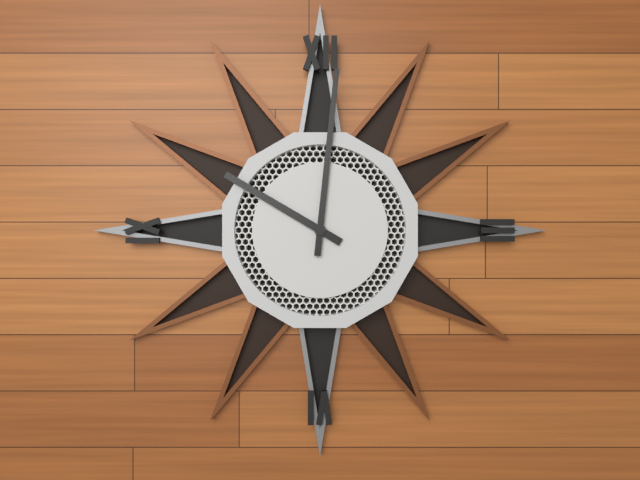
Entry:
10.01
